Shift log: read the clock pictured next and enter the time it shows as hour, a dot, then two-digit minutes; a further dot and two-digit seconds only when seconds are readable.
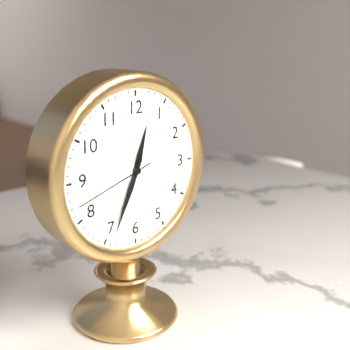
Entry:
12.34.42
